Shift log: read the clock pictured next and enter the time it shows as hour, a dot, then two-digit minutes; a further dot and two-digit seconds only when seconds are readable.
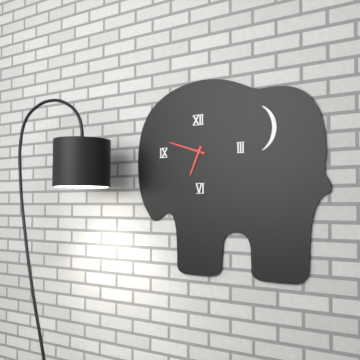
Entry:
6.48
